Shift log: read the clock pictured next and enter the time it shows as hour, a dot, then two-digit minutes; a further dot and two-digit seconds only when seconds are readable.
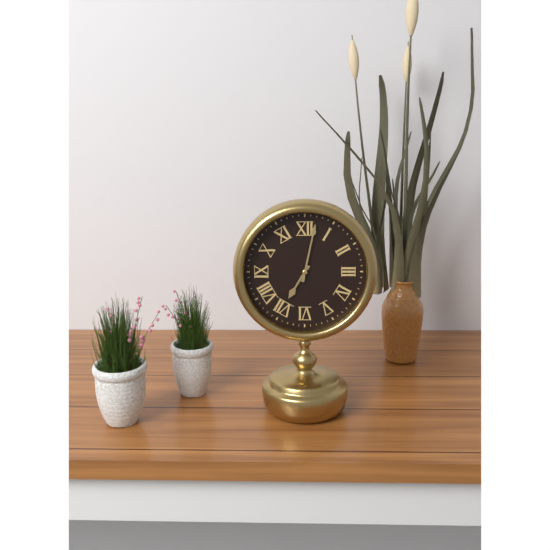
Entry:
7.02
